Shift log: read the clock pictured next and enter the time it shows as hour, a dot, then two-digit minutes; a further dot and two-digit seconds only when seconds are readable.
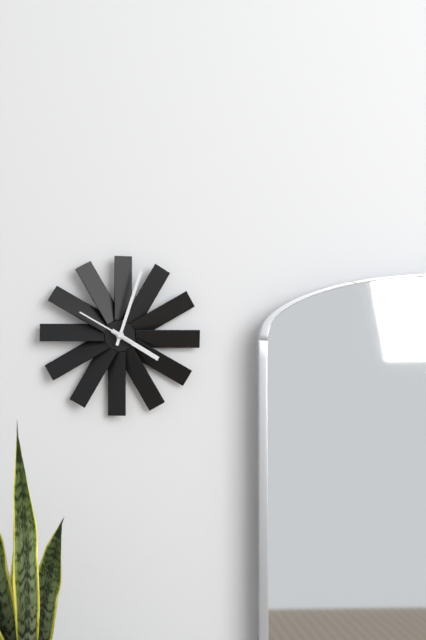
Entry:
4.03.50
